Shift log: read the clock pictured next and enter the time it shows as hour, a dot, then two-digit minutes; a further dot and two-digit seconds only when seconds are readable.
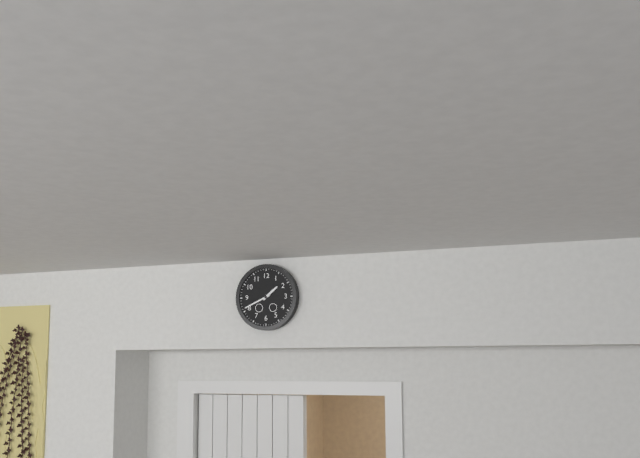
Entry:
1.41
